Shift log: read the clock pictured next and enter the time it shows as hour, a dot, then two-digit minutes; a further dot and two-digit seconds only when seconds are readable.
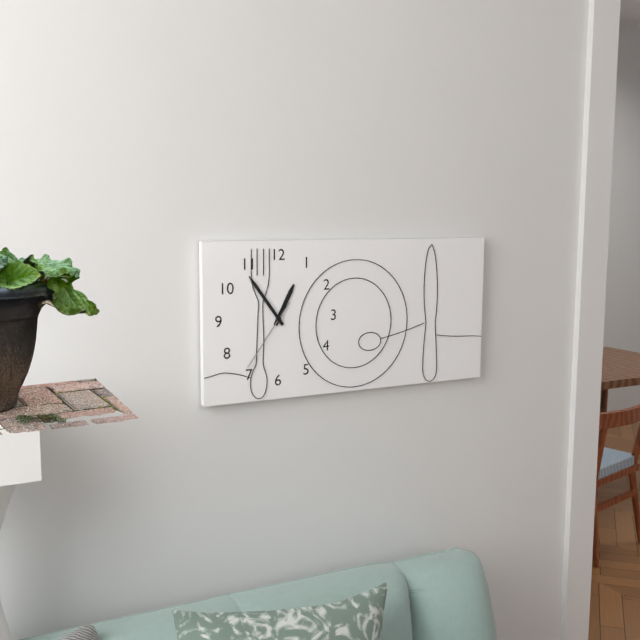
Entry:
12.54.36
